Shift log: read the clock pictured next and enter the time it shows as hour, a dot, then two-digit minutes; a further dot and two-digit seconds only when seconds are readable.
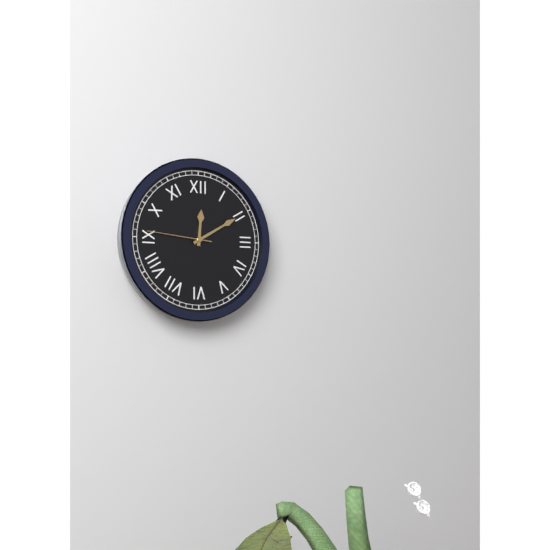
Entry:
12.10.46
